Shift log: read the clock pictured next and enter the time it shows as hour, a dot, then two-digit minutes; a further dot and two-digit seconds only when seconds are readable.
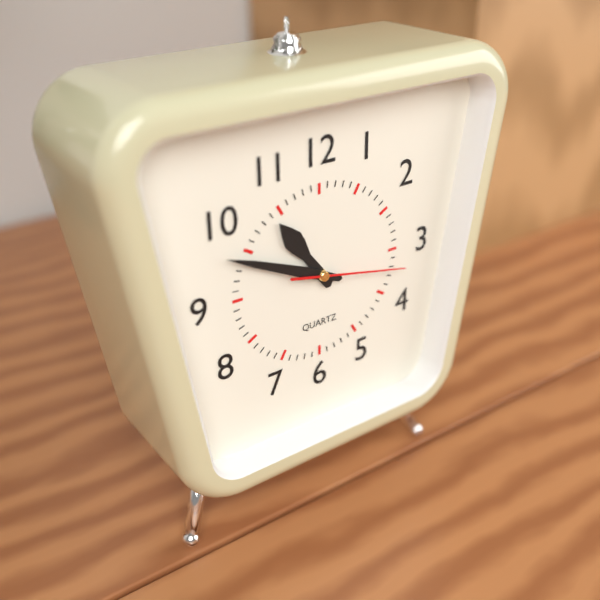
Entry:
10.49.17
